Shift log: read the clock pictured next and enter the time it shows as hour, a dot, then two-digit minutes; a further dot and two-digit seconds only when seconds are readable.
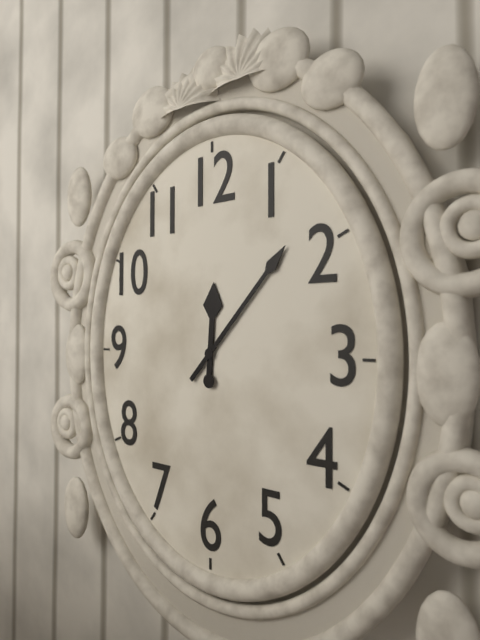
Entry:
12.07
